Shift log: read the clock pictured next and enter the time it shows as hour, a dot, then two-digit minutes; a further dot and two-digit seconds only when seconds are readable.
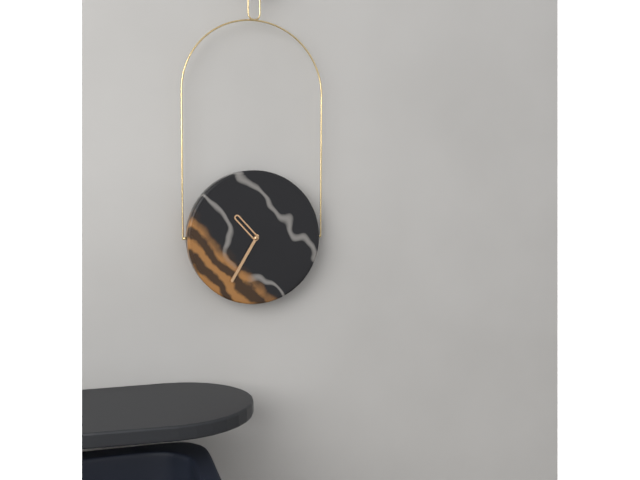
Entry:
10.35
